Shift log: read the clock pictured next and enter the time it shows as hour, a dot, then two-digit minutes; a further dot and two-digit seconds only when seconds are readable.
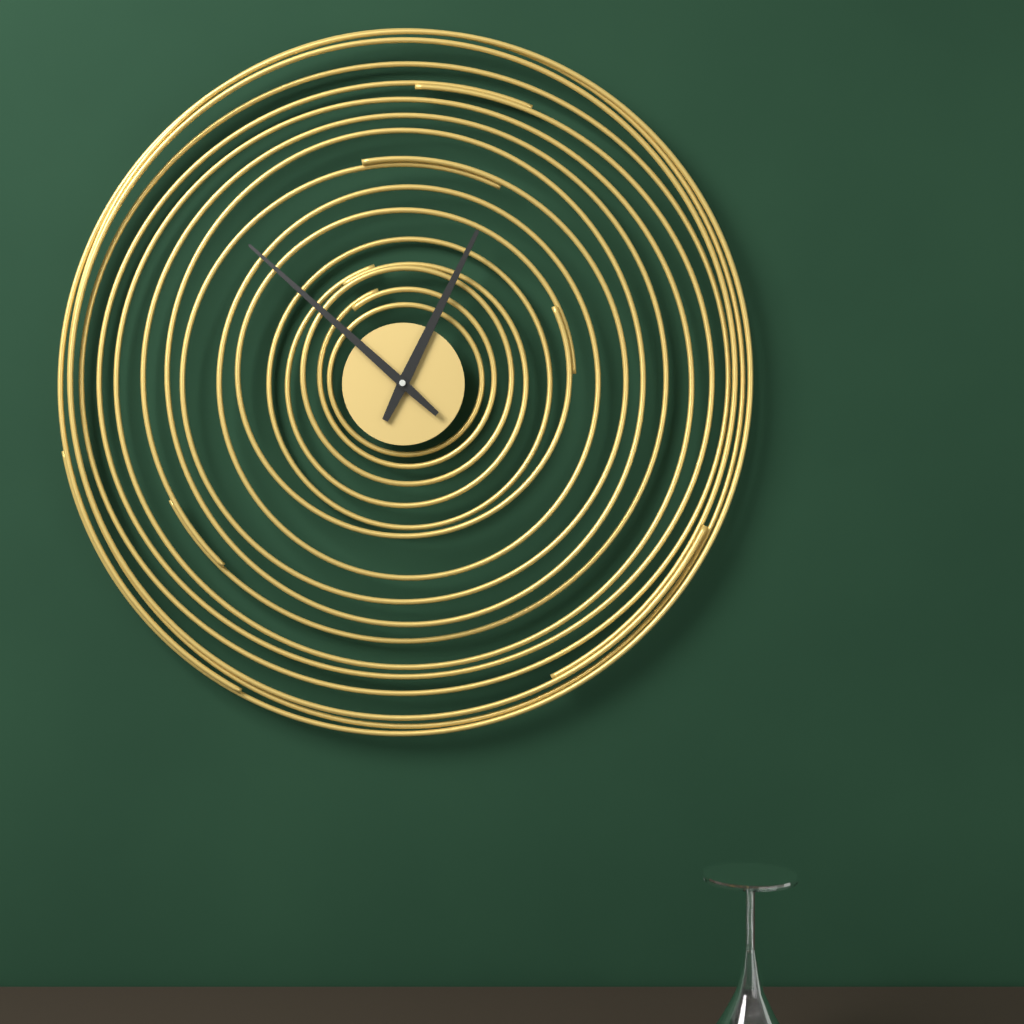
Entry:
12.52
